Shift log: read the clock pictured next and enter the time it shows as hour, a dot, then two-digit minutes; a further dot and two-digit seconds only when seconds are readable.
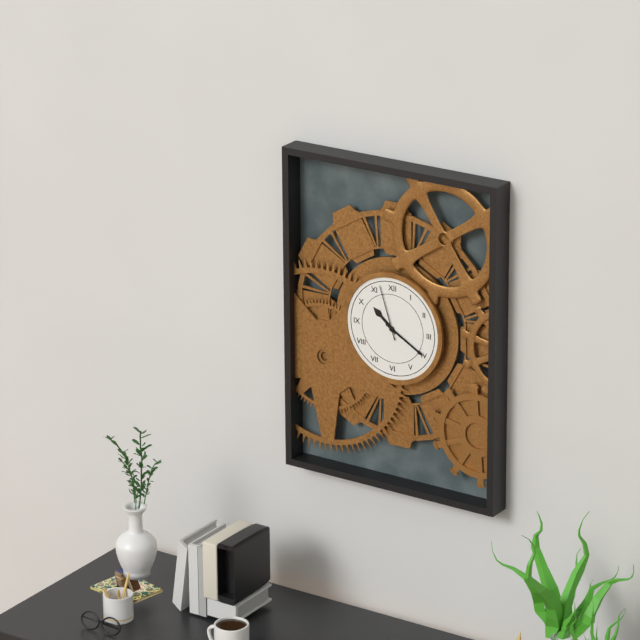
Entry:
10.20.57
